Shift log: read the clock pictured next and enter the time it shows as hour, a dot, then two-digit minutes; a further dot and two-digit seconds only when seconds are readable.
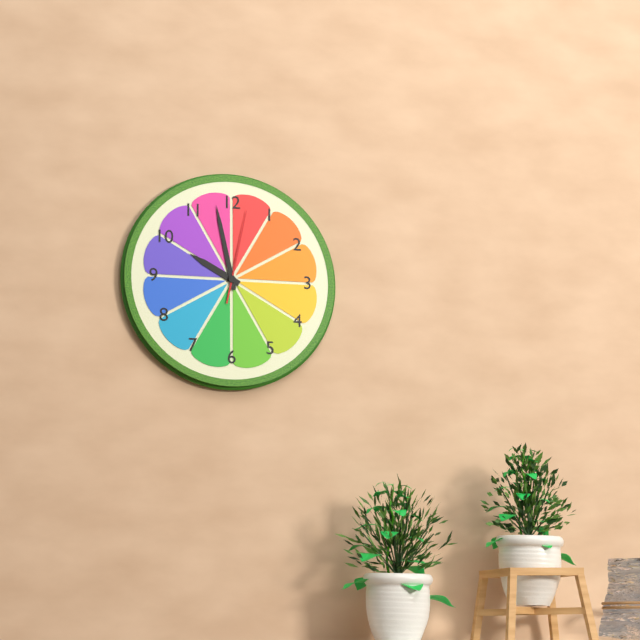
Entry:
9.58.02
